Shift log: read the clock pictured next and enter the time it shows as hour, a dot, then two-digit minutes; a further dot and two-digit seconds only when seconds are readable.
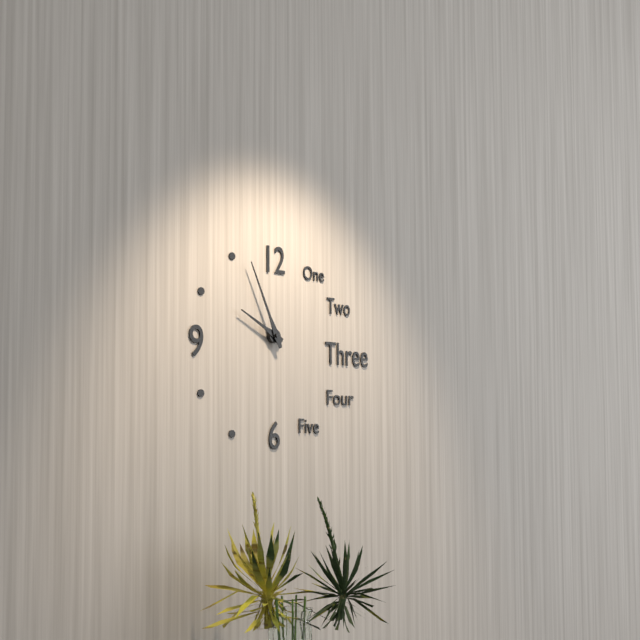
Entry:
9.56
